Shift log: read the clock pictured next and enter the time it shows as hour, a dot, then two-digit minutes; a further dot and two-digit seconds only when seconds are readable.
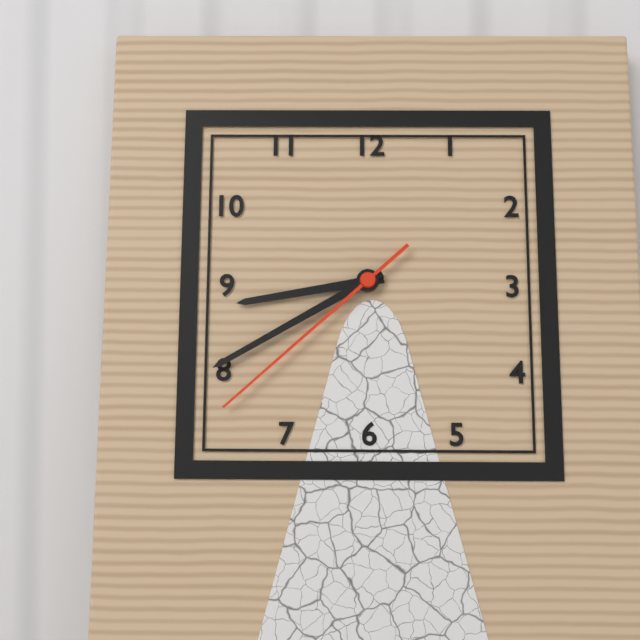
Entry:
8.40.38
